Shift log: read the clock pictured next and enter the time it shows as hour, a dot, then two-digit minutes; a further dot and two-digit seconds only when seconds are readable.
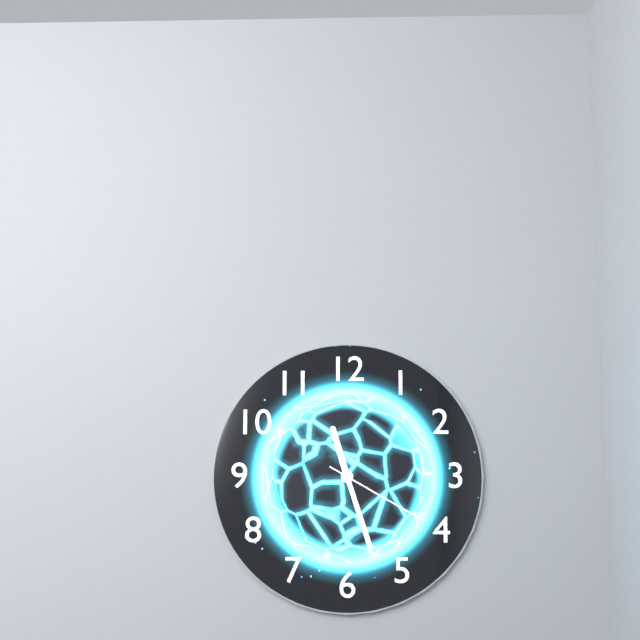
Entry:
11.27.20
